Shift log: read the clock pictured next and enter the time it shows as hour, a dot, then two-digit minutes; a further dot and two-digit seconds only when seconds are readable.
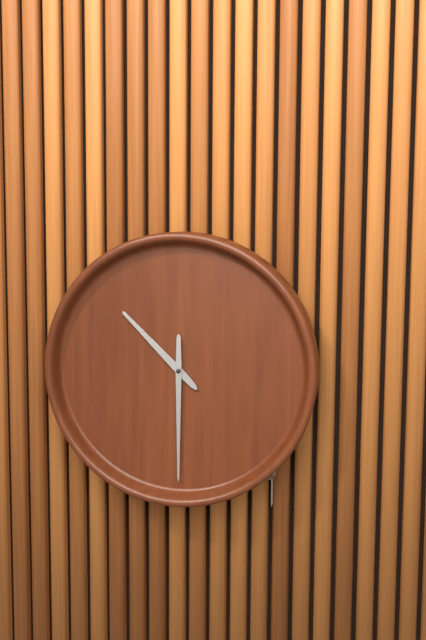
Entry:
10.30
